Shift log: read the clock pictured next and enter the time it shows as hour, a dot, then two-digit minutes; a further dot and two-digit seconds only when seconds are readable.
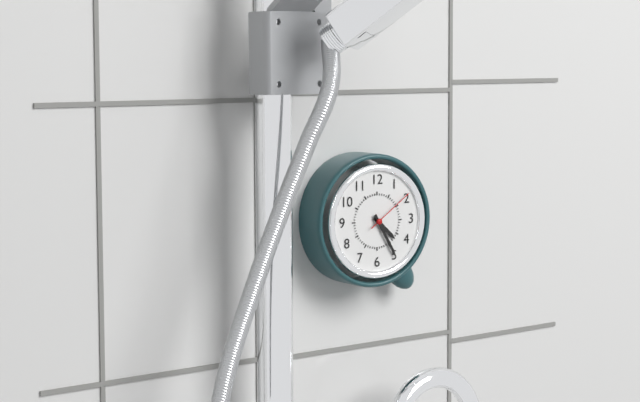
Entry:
4.25.09
